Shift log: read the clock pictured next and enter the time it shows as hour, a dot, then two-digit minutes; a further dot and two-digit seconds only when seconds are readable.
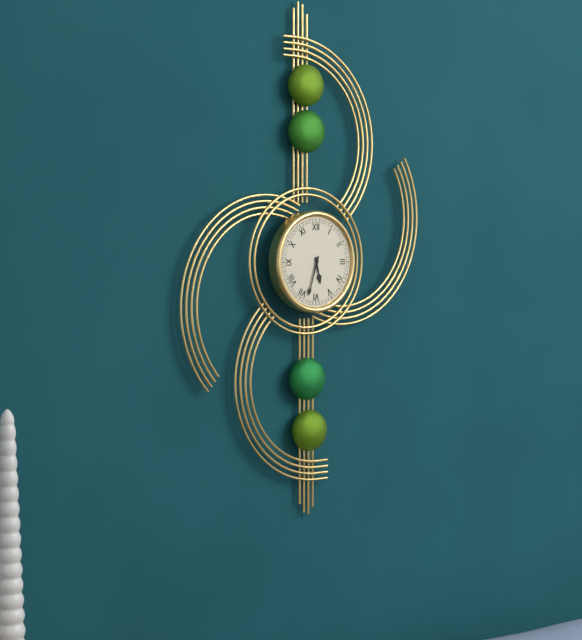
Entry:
5.33
